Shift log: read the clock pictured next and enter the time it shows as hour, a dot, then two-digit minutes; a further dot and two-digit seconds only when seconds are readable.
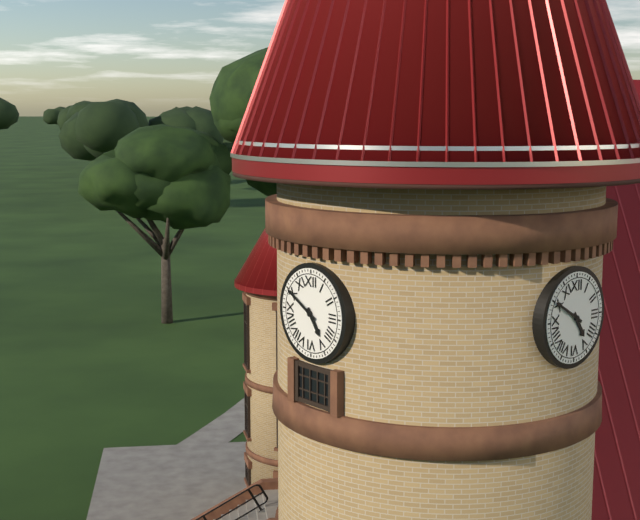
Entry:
4.50
